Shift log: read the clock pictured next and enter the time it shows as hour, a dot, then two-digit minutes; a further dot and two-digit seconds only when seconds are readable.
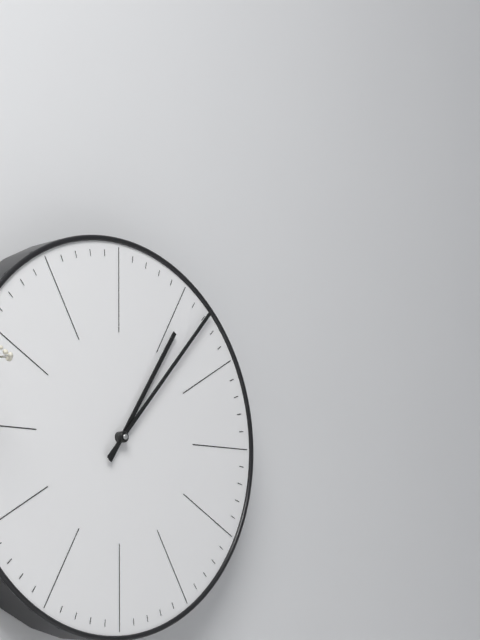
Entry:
1.07
